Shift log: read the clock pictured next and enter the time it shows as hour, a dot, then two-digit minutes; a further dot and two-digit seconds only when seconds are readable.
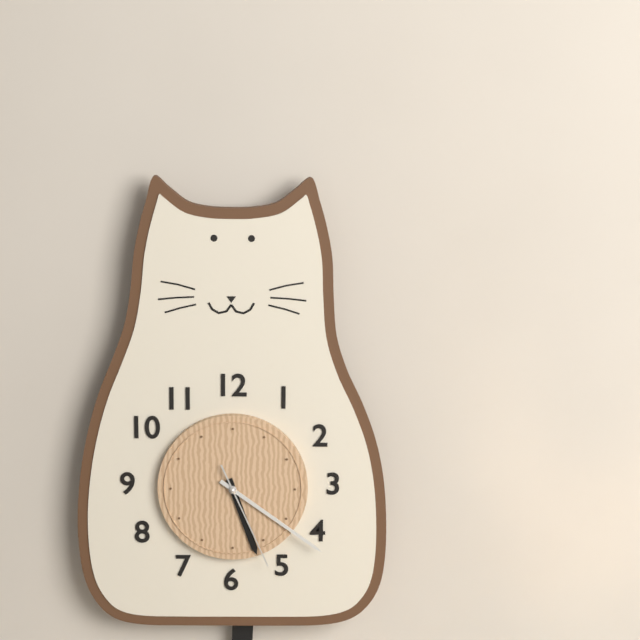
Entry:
5.21.26
